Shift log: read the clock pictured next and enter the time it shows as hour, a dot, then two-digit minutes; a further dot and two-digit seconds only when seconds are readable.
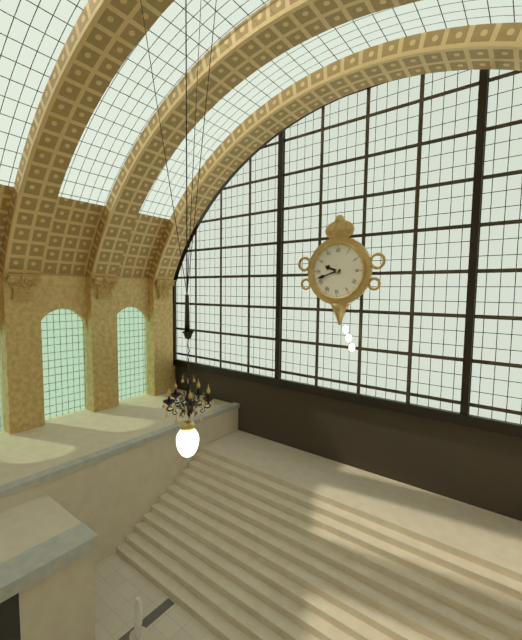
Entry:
9.42
